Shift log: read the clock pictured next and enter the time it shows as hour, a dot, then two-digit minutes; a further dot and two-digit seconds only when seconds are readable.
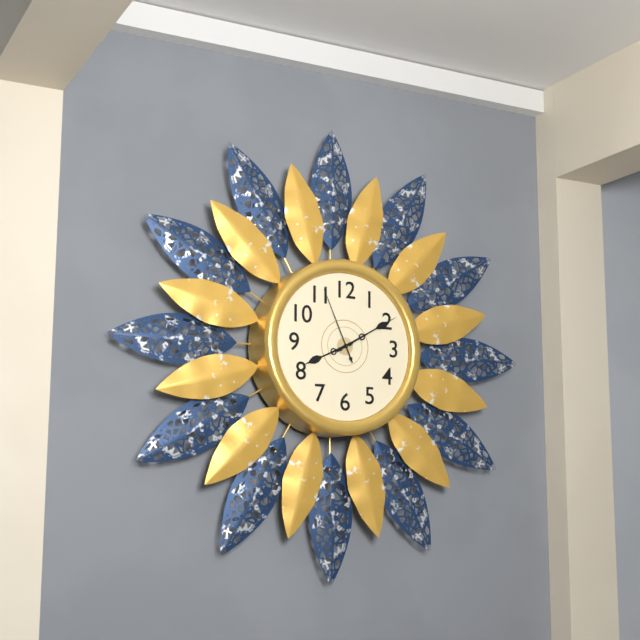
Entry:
8.10.56
